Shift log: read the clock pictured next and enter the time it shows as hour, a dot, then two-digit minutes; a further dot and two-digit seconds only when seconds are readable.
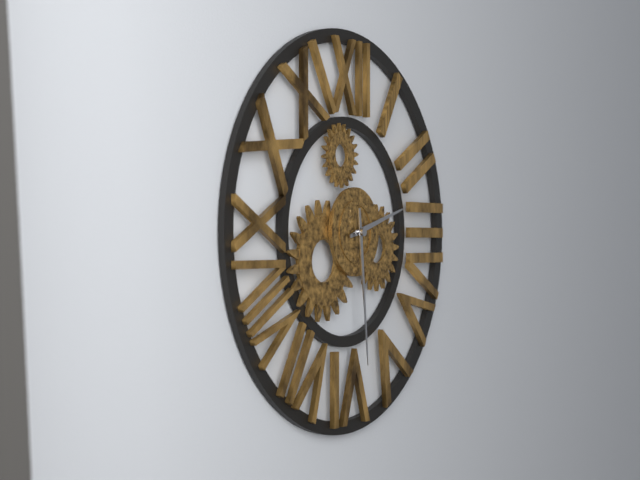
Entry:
2.29
